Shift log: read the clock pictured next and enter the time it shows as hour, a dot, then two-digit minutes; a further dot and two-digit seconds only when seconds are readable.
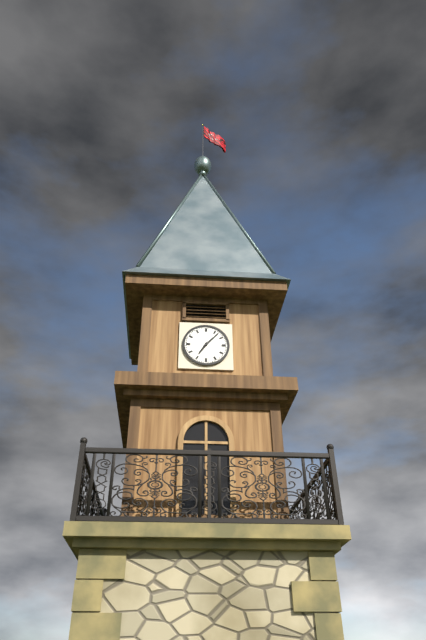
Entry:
7.07
